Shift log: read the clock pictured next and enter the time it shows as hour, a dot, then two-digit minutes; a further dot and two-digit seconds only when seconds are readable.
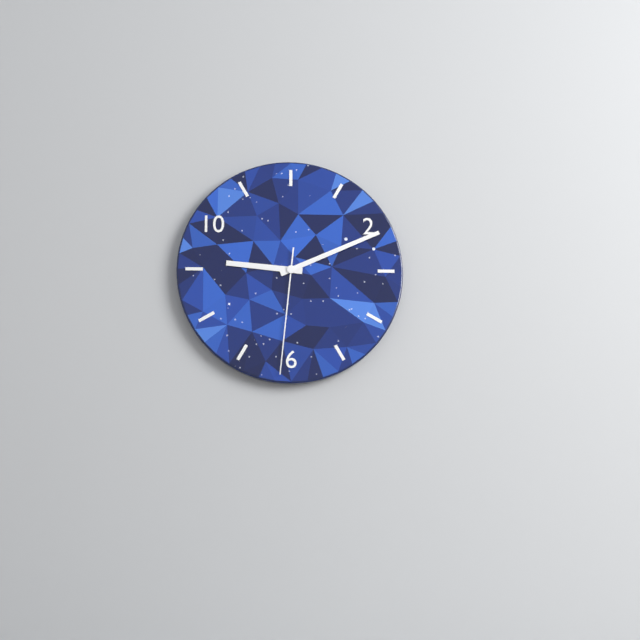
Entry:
9.11.31
